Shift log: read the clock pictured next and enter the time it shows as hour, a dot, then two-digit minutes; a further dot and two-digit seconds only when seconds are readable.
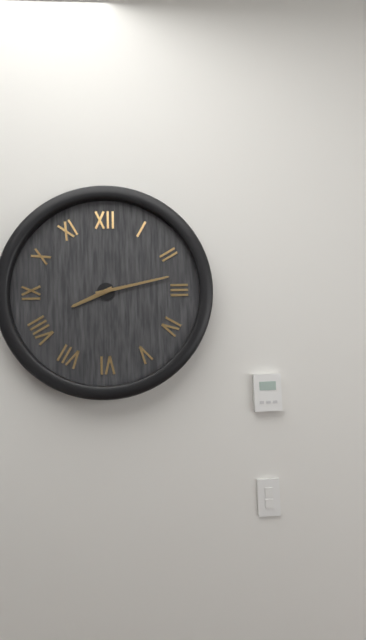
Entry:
8.13
